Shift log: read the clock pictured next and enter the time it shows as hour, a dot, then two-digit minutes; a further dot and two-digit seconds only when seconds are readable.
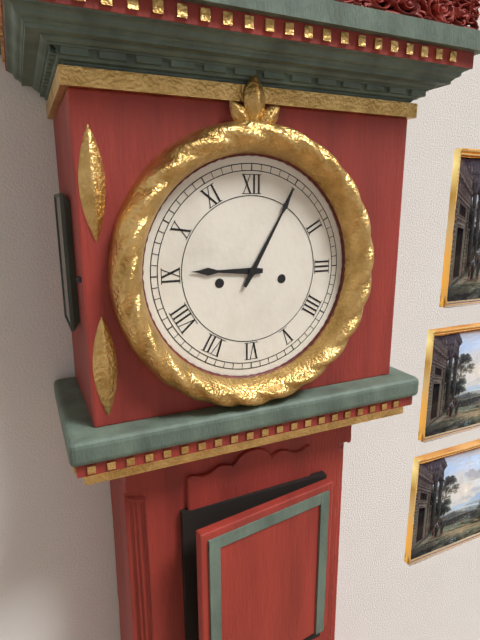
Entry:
9.05
